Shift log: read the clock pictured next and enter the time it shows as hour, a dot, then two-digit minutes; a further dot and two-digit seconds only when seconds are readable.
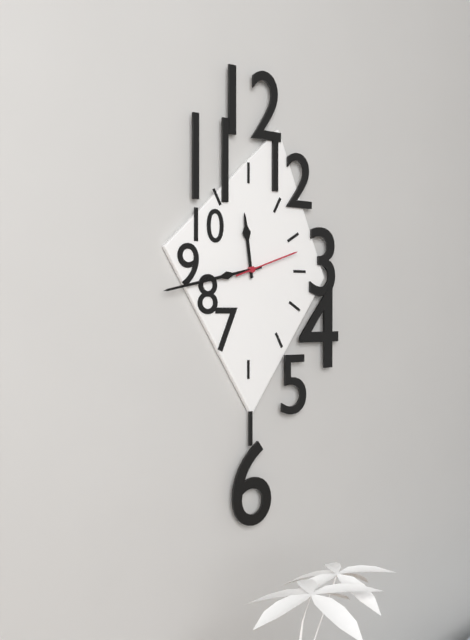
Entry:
11.43.12
